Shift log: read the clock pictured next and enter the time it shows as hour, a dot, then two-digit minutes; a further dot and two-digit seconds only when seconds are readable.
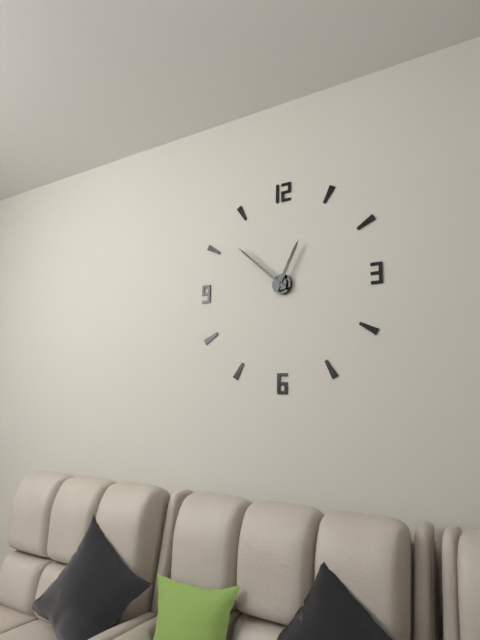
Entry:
12.52
